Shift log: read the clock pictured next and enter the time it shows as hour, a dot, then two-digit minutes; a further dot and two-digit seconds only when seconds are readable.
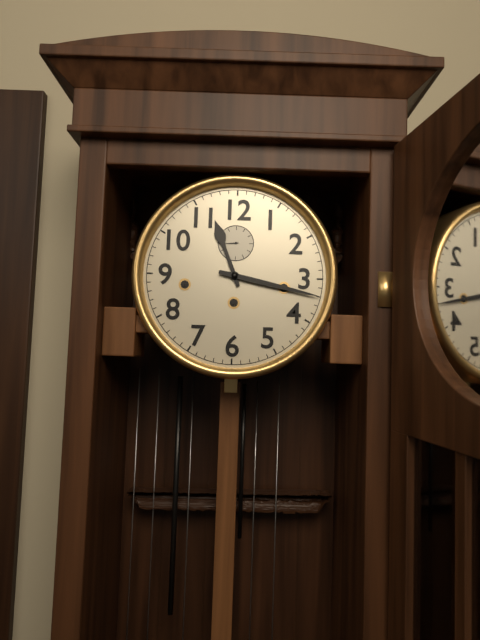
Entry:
11.17
